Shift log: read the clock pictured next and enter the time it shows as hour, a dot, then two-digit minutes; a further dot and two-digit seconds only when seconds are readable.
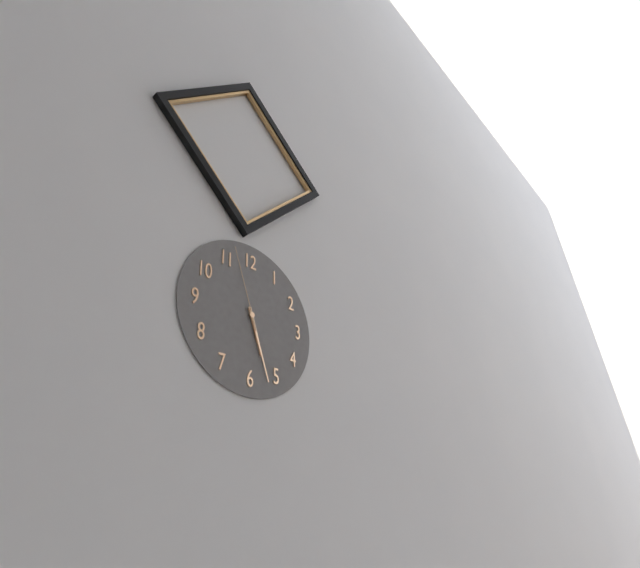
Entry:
5.27.57
